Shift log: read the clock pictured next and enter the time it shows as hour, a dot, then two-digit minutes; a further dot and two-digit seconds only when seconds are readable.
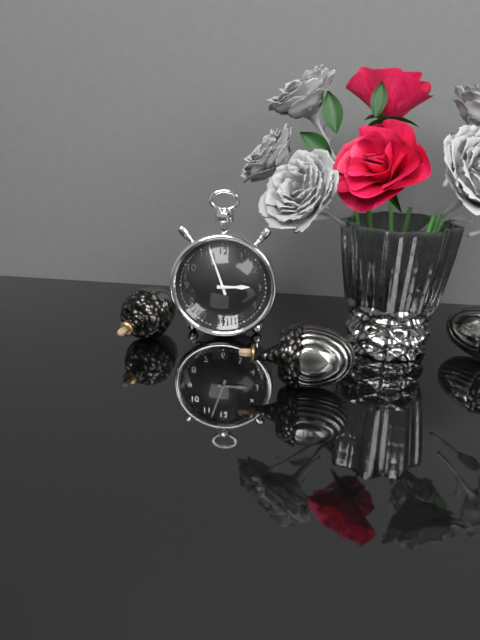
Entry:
2.57
